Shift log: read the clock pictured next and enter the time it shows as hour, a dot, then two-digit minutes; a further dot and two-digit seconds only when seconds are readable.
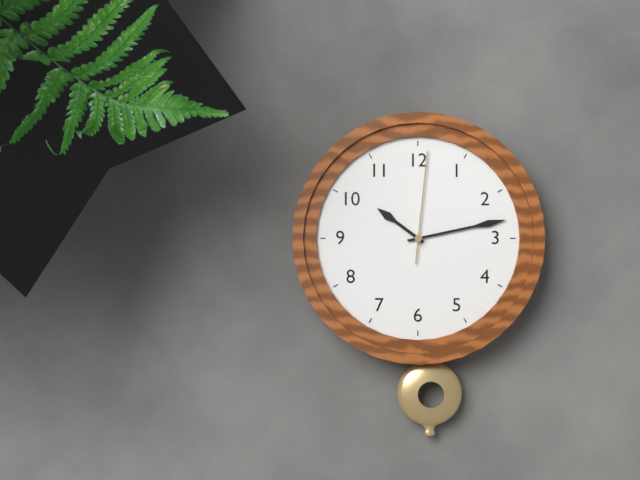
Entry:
10.13.01
